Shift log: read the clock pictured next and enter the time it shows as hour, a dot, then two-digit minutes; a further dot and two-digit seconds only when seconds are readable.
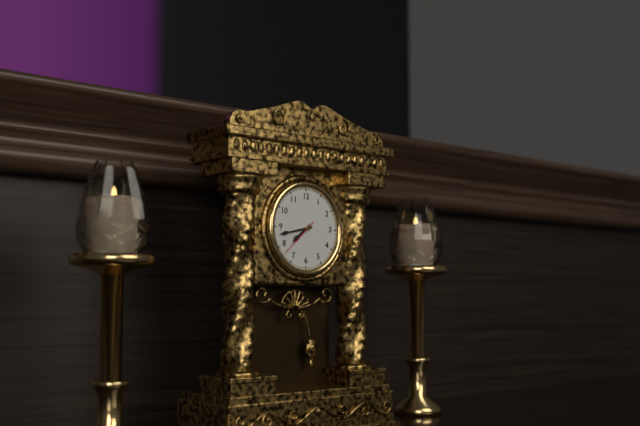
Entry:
7.43
